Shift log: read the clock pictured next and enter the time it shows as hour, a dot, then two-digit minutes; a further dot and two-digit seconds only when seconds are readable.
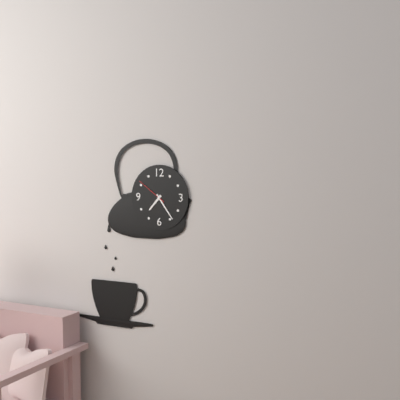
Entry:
7.24
